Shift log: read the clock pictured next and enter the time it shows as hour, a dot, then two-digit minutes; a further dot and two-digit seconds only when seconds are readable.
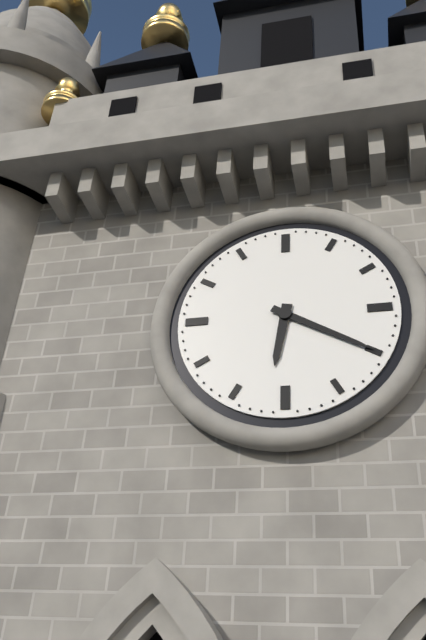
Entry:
6.20
